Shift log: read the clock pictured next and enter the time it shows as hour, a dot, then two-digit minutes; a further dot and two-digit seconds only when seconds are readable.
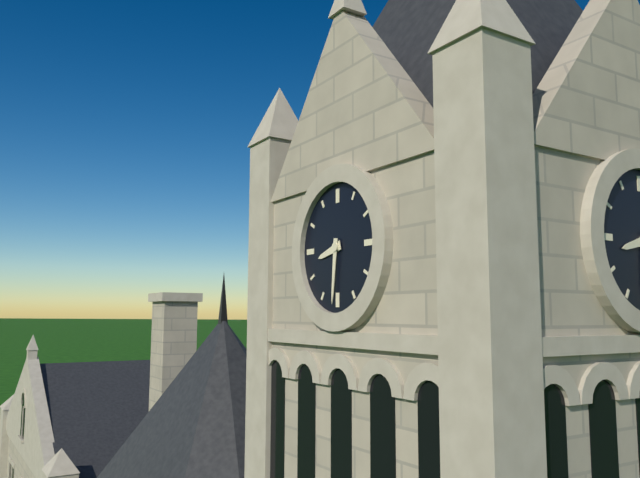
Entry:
8.31
